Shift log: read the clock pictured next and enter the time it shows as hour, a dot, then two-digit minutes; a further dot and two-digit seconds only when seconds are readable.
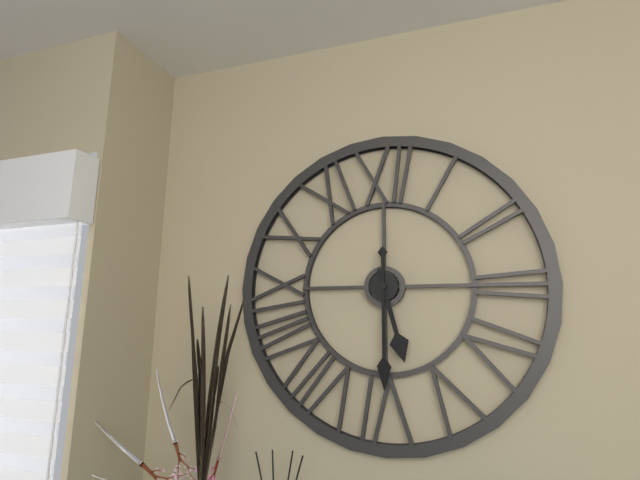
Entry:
5.30
